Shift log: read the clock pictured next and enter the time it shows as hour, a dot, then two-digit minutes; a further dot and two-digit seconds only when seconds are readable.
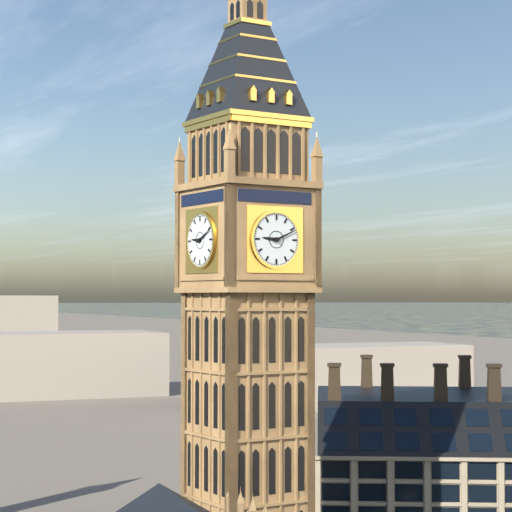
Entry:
9.11
